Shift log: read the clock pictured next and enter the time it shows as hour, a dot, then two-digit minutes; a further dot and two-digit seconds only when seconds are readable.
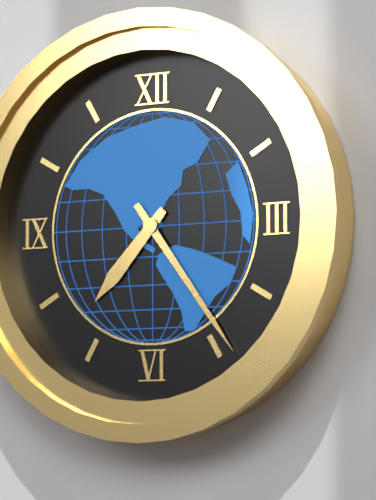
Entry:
7.24
